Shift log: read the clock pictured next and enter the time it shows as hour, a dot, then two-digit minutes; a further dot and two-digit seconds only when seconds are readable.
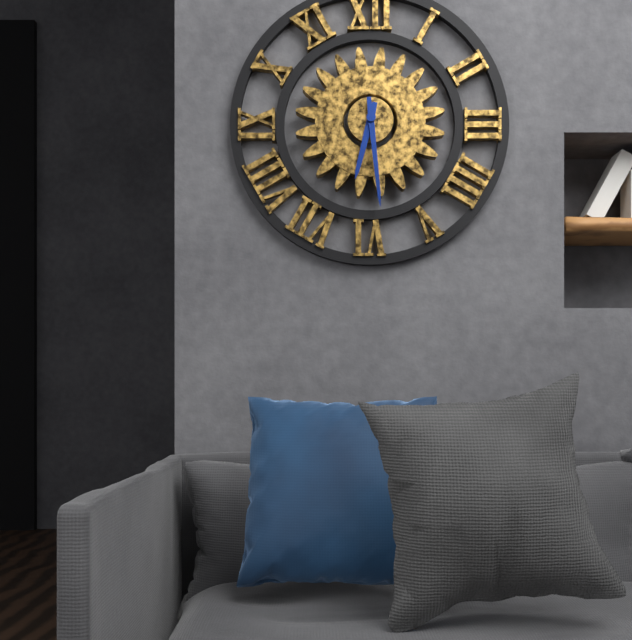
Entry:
6.29
